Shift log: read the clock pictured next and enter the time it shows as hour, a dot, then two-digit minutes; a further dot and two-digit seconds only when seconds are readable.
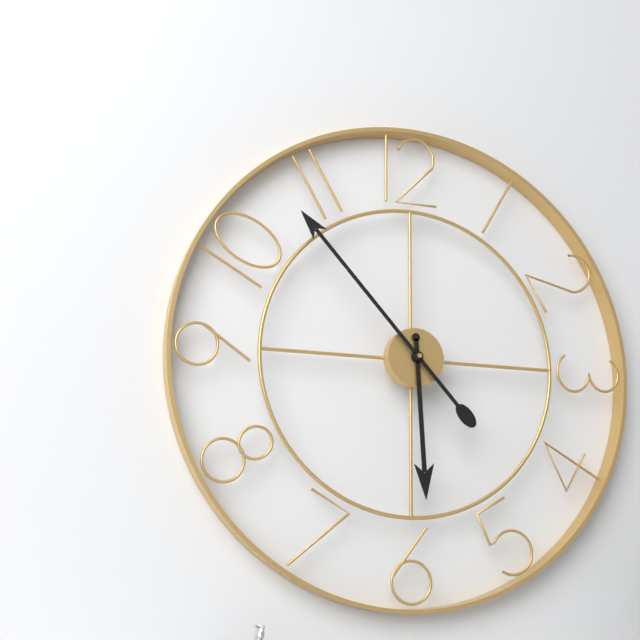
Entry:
5.53
